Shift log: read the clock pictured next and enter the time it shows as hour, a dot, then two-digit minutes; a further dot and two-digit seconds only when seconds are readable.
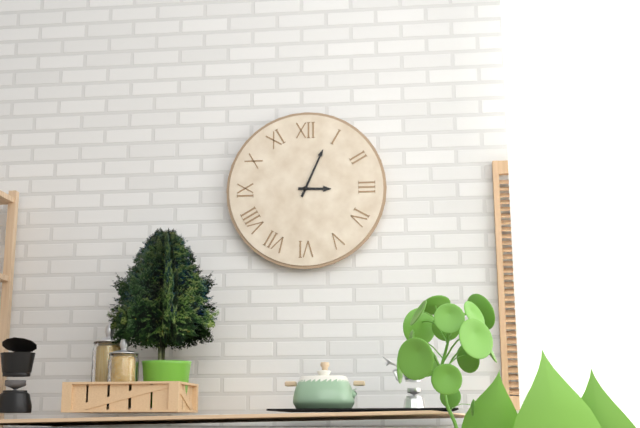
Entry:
3.04
